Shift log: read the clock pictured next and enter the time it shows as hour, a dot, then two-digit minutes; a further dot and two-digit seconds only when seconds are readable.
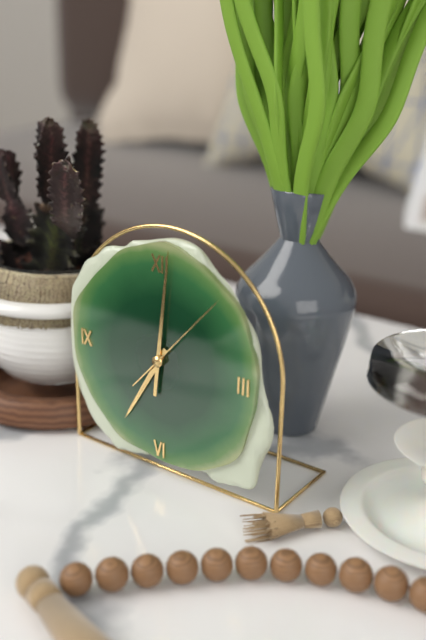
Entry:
7.01.07
